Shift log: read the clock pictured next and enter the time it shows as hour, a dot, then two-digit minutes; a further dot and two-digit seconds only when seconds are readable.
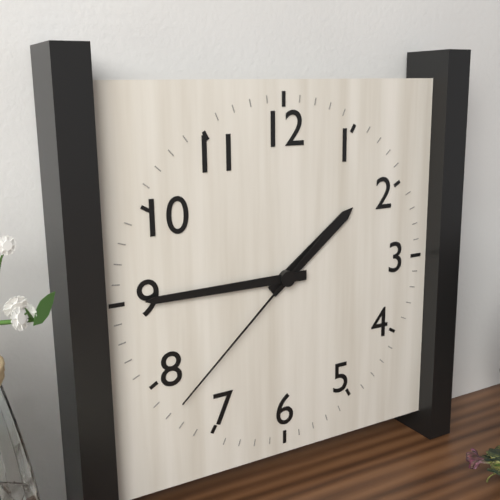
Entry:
1.45.38
